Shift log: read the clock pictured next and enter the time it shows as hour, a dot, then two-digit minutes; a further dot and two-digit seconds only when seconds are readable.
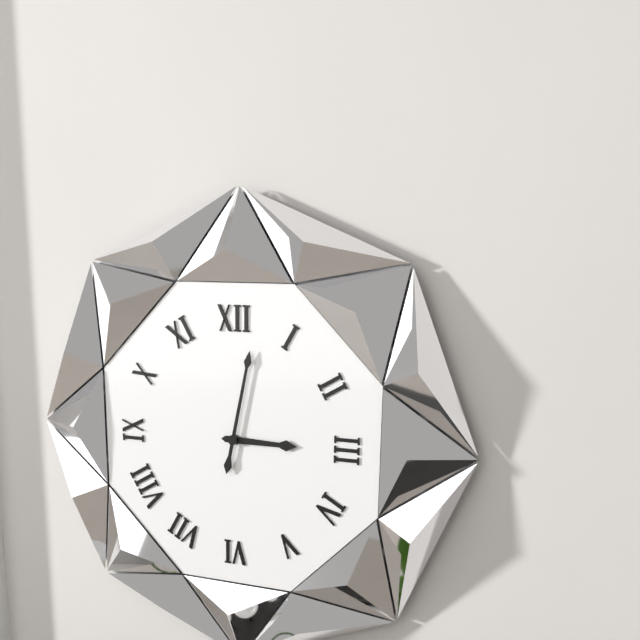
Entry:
3.02
